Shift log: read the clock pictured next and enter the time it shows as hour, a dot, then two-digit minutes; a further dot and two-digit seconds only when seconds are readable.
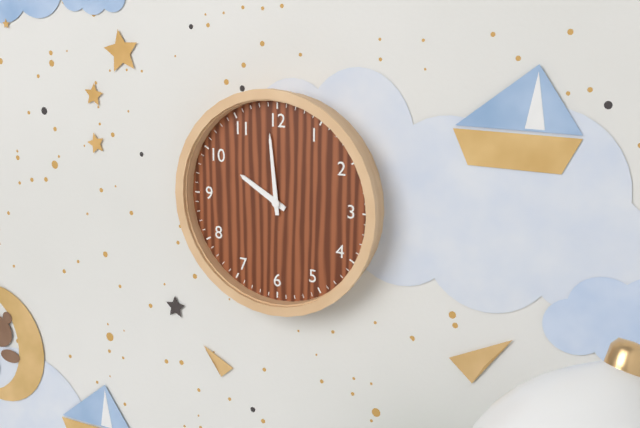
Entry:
9.59
